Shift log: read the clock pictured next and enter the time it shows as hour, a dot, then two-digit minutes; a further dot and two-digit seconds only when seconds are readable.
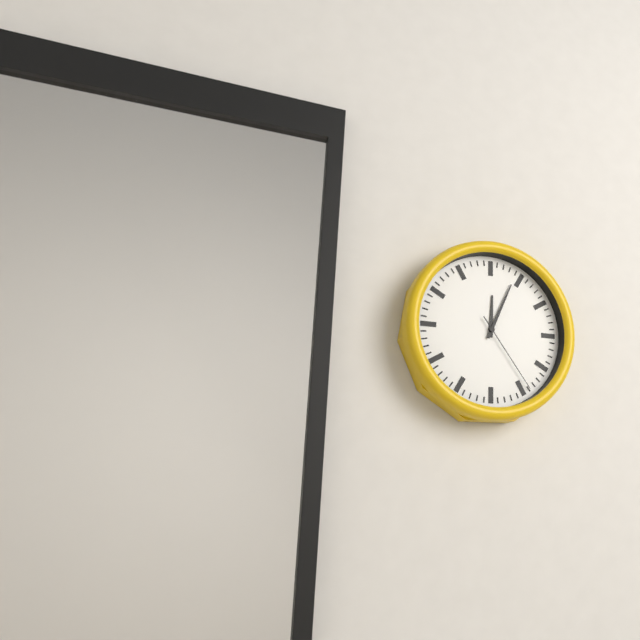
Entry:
12.04.24
